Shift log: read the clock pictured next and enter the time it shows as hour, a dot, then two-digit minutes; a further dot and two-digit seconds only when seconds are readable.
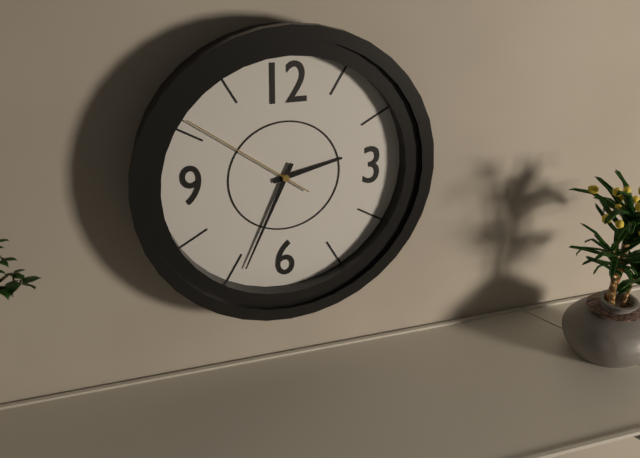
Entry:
2.34.51
